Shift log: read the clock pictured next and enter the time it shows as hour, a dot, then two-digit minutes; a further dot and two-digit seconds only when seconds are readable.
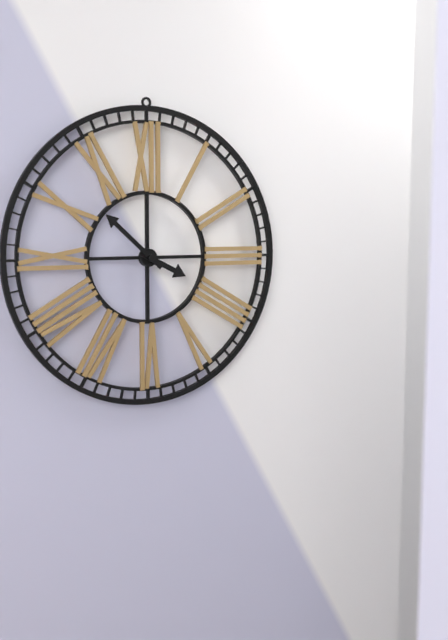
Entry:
3.52
